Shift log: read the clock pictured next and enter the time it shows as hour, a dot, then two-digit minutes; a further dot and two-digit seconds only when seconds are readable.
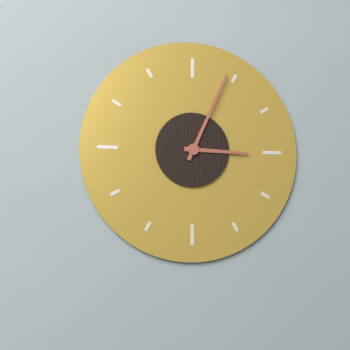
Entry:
3.04
